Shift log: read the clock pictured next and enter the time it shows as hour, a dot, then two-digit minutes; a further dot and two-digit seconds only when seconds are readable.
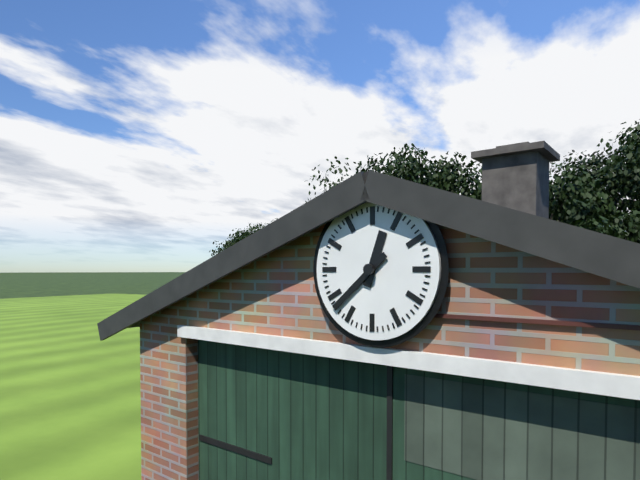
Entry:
12.38
